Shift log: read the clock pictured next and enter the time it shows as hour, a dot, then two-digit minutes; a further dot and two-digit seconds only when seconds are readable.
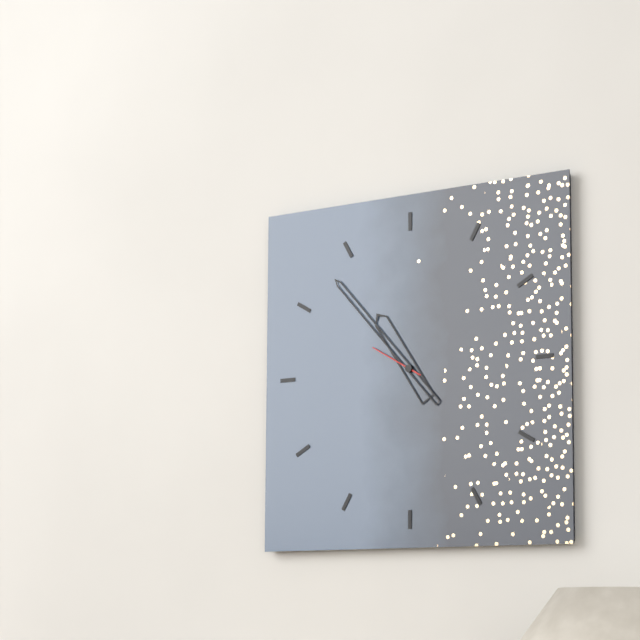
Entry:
10.53.50
